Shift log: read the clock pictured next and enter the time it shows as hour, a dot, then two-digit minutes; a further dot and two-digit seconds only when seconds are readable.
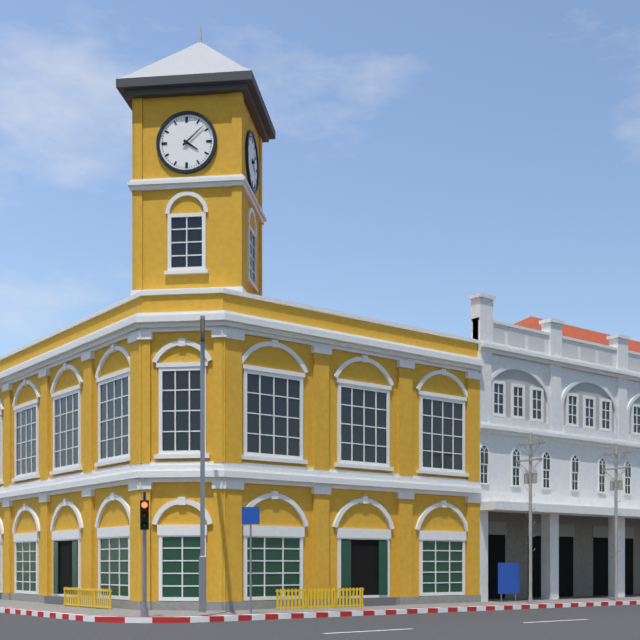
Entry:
4.08
